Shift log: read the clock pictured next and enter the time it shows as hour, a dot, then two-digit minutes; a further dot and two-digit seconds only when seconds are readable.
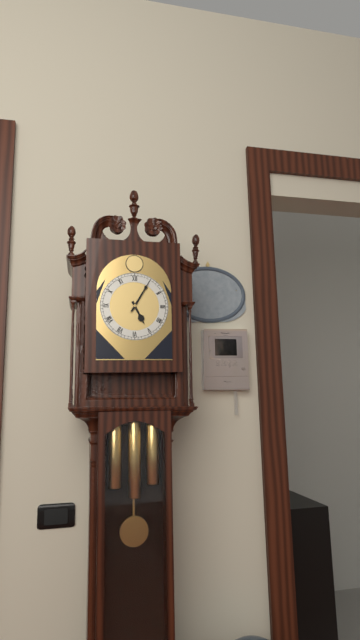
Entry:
5.05
